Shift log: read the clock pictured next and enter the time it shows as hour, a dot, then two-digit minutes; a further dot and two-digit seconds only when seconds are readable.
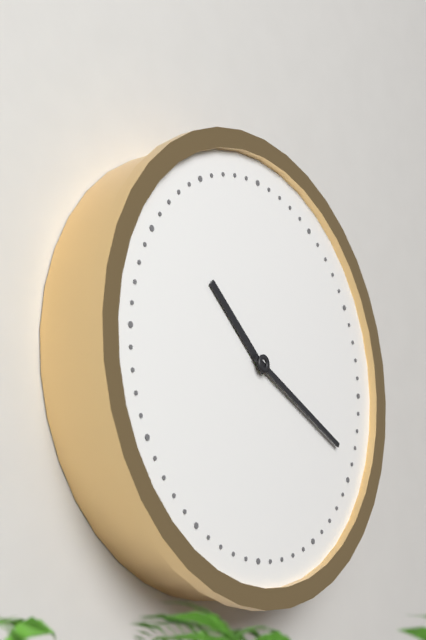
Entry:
10.19
